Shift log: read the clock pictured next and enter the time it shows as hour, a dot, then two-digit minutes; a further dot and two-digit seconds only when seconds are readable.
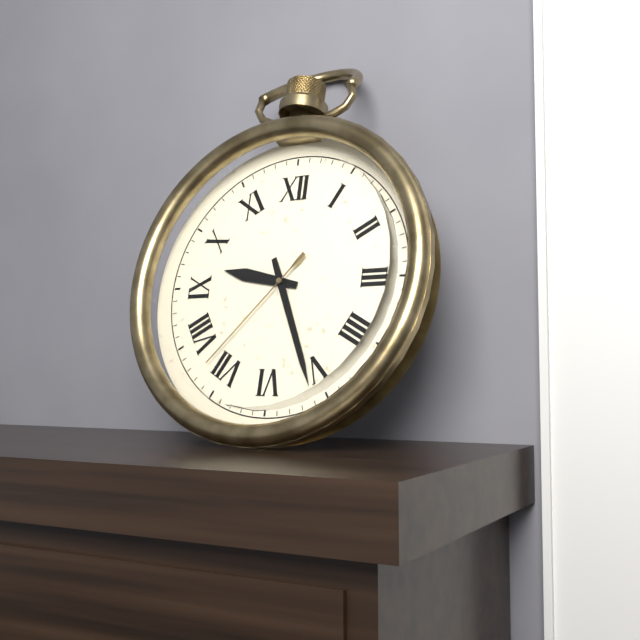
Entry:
9.26.37
